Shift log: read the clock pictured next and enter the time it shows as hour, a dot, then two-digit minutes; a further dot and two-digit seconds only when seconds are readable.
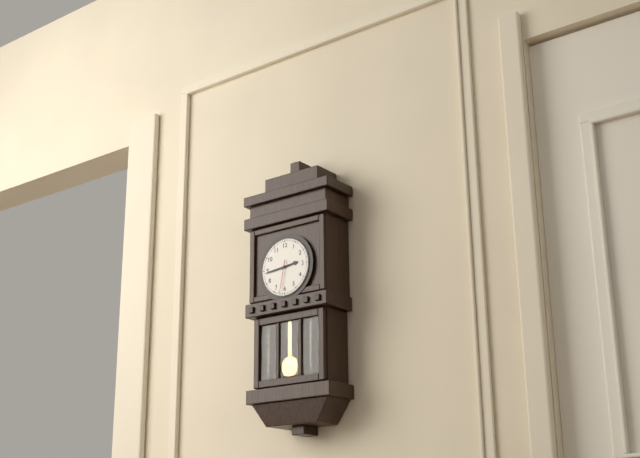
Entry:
2.44
